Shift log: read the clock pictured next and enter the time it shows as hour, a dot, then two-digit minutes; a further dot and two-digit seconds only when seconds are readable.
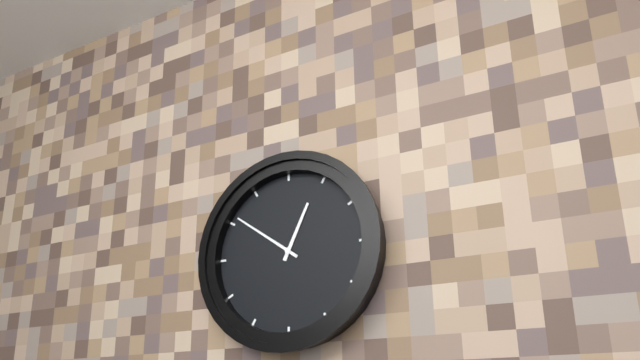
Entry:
12.51
